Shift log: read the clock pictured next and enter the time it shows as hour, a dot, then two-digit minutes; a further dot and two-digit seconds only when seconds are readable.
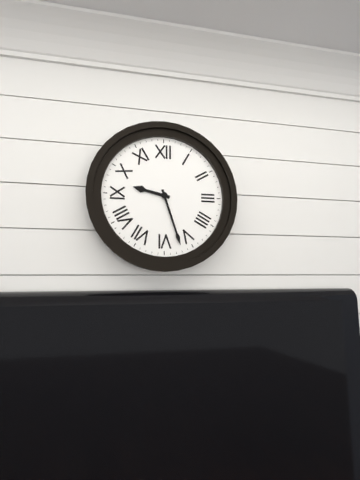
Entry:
9.27
